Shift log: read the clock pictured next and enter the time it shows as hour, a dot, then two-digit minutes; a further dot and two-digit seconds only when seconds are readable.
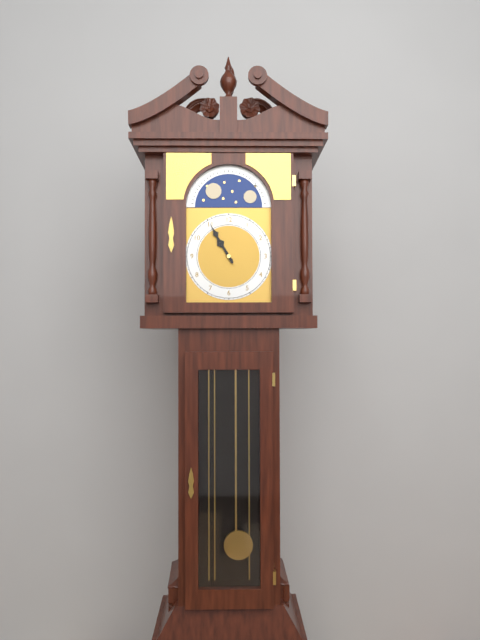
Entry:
10.55
